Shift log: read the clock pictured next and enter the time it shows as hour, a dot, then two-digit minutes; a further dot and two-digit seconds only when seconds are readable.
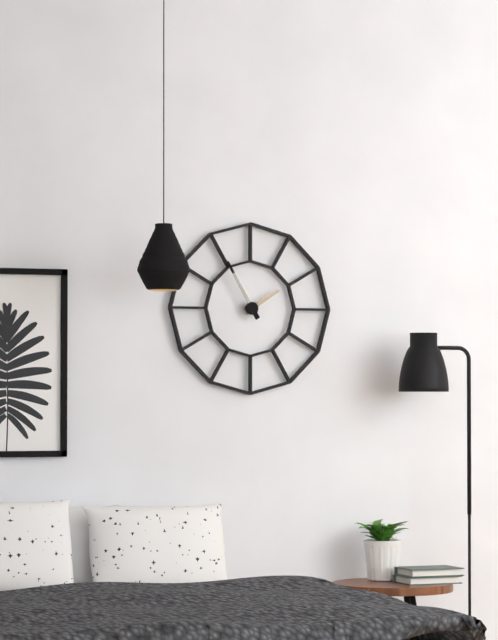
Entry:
1.55
